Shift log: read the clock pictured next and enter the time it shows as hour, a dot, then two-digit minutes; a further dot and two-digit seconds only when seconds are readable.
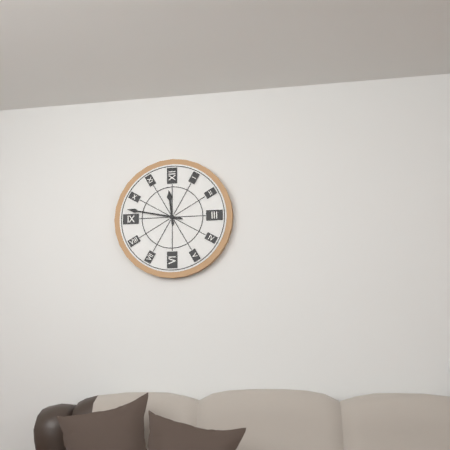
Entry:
11.47
